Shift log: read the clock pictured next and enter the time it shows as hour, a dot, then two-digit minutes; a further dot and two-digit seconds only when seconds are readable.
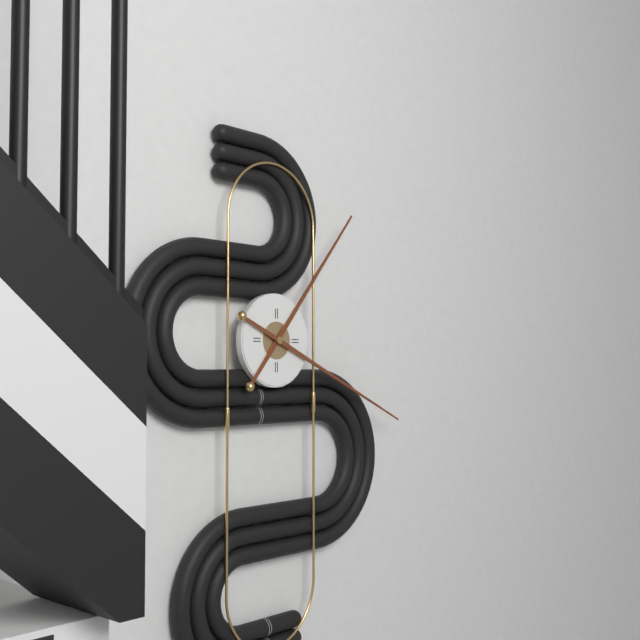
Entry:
1.19
